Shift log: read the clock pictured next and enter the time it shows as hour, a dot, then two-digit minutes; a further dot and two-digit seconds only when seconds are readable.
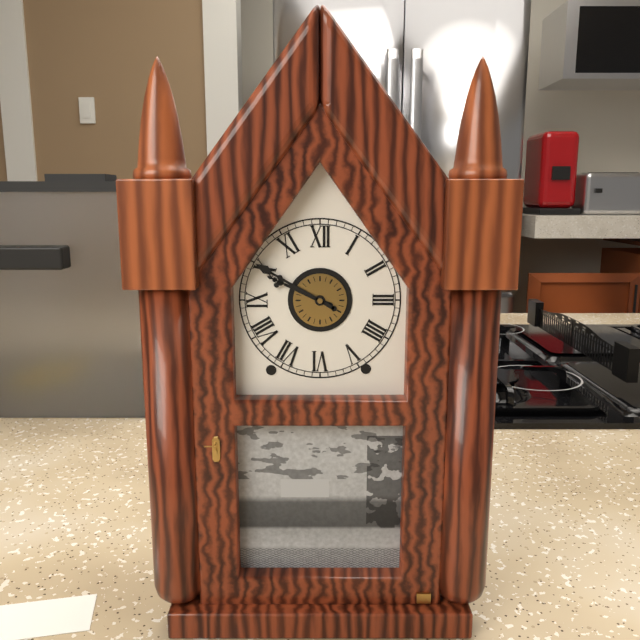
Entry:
9.50
